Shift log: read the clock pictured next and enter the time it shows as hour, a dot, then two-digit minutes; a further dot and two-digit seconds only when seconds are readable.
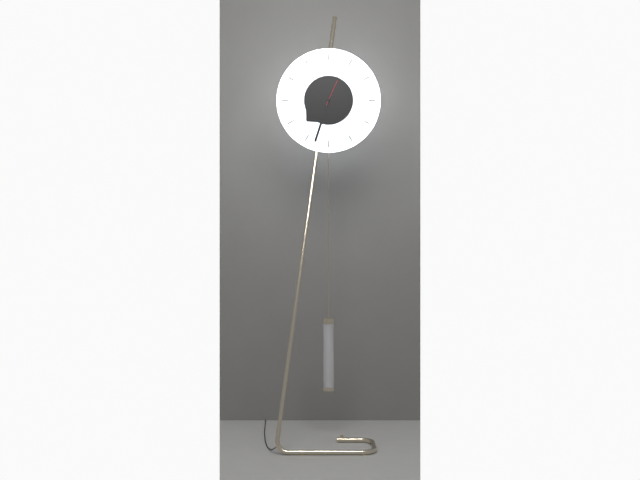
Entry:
7.33
